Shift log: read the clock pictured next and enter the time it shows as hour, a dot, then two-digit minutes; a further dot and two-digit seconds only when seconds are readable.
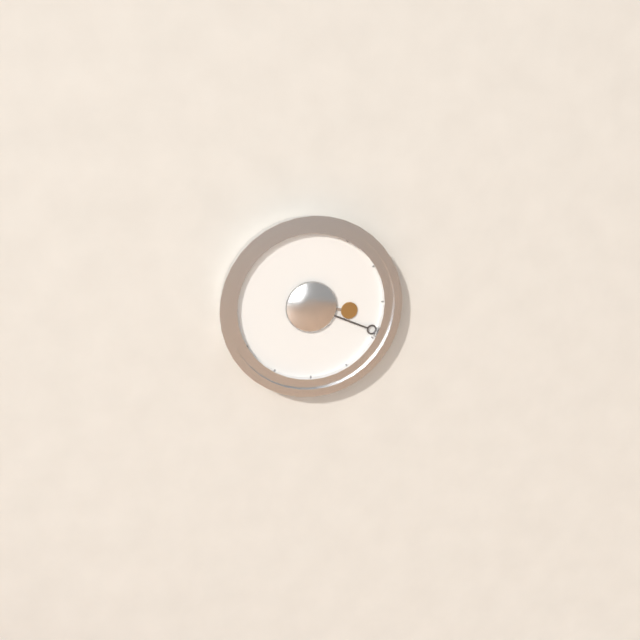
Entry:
3.19
